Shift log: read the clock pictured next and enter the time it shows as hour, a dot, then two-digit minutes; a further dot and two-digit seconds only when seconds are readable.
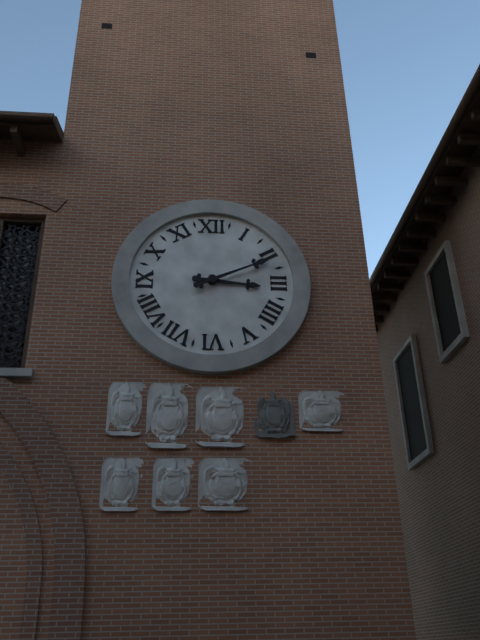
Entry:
3.11
